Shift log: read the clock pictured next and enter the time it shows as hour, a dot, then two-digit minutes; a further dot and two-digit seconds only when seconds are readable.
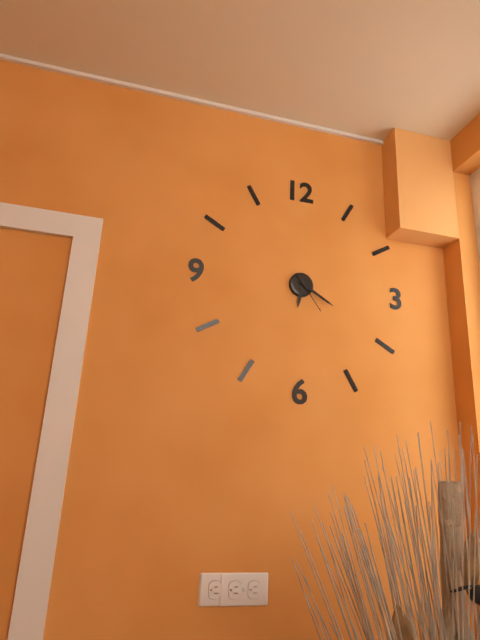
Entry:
6.20
